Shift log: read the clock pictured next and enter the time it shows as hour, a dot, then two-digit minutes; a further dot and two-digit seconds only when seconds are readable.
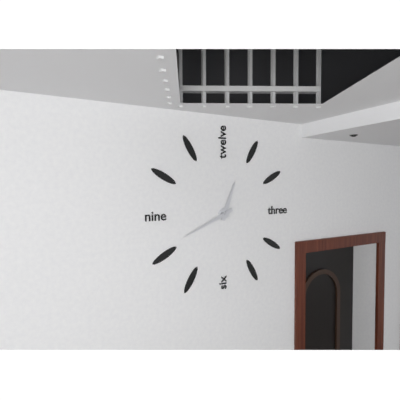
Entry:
12.41
